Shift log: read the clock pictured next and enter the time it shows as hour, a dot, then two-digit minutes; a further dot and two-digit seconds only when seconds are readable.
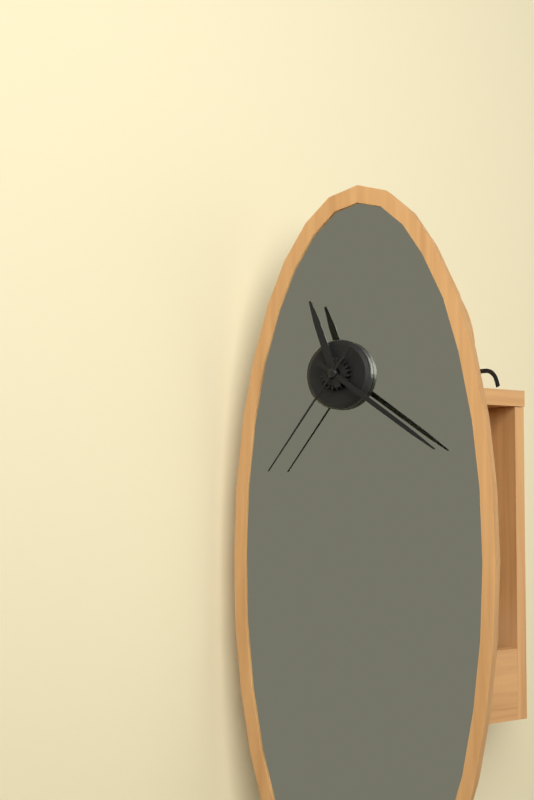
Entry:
11.21.36
